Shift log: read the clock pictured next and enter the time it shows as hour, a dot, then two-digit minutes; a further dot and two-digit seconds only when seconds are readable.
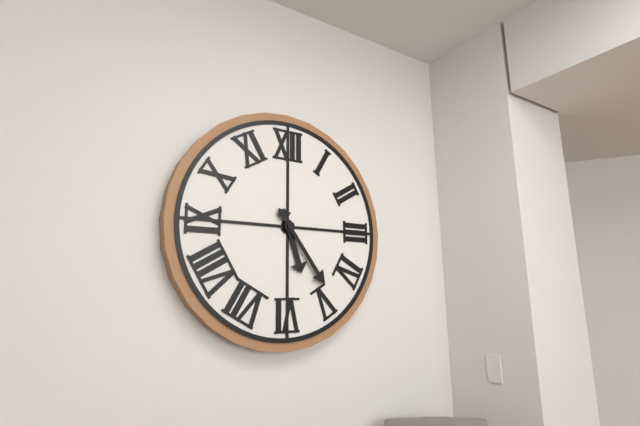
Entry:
5.24
